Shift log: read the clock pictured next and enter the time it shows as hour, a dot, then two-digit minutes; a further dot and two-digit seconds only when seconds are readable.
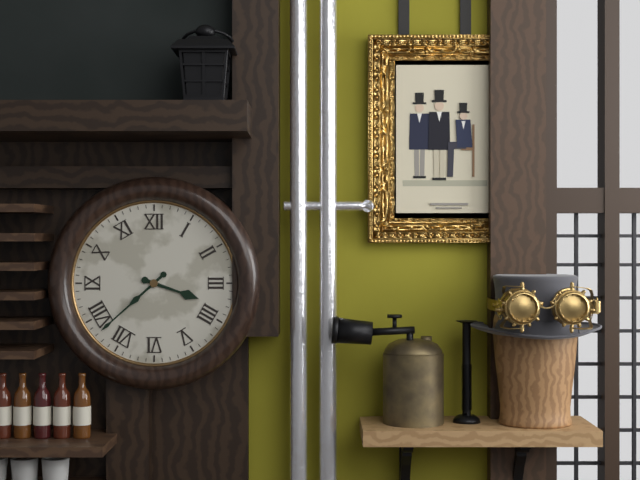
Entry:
3.38
